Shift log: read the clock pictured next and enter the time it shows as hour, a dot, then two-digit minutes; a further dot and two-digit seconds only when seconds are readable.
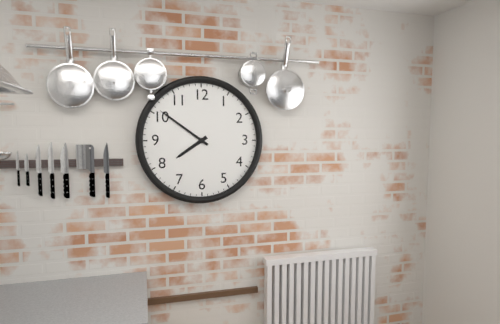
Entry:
7.51
